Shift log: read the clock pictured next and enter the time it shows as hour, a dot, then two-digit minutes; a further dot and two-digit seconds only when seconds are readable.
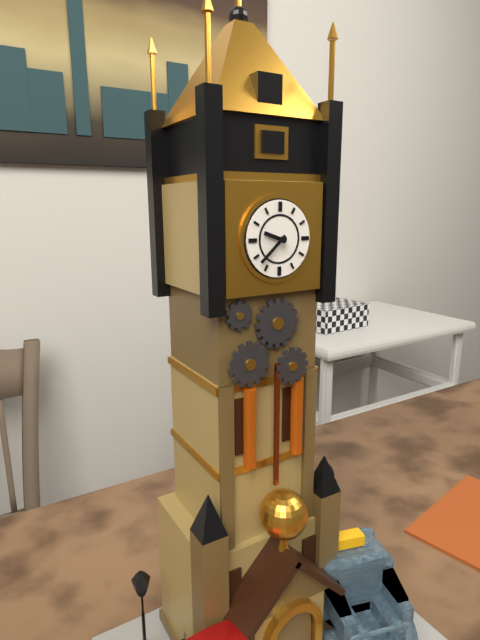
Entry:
9.38
